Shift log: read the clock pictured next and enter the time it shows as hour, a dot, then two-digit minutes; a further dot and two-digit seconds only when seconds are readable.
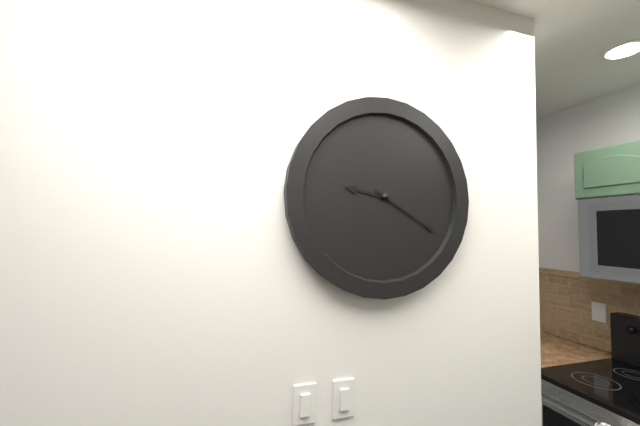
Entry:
9.20
